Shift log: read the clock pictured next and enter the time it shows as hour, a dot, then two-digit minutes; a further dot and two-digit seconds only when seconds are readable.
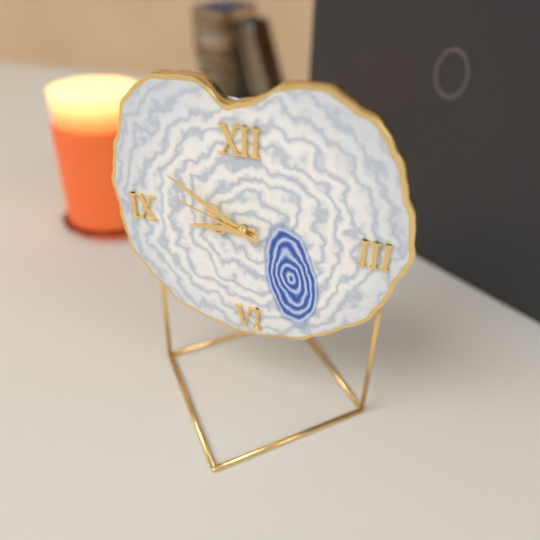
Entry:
8.50.48
